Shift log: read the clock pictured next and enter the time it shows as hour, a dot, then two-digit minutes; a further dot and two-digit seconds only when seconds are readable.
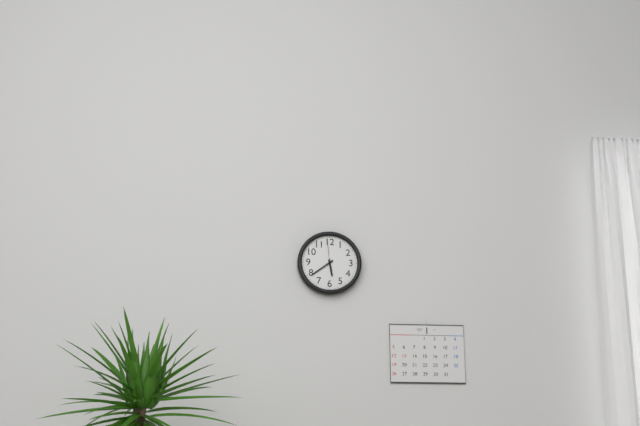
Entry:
5.39
